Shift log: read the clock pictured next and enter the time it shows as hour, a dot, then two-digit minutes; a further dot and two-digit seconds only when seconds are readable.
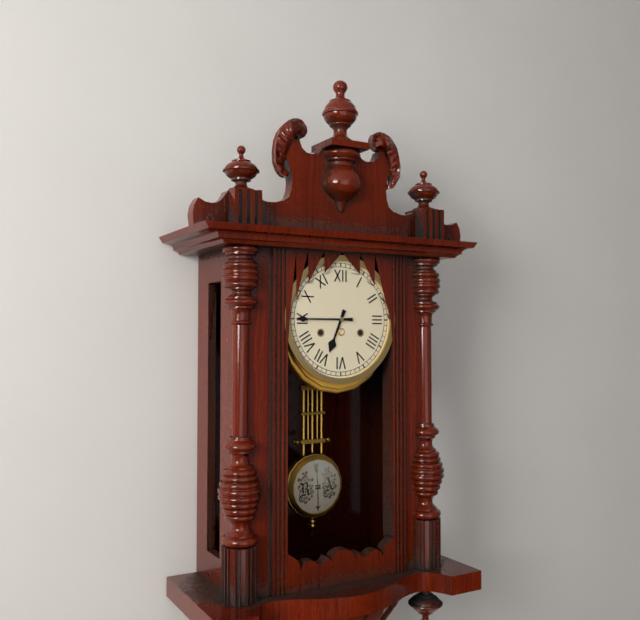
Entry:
6.45
